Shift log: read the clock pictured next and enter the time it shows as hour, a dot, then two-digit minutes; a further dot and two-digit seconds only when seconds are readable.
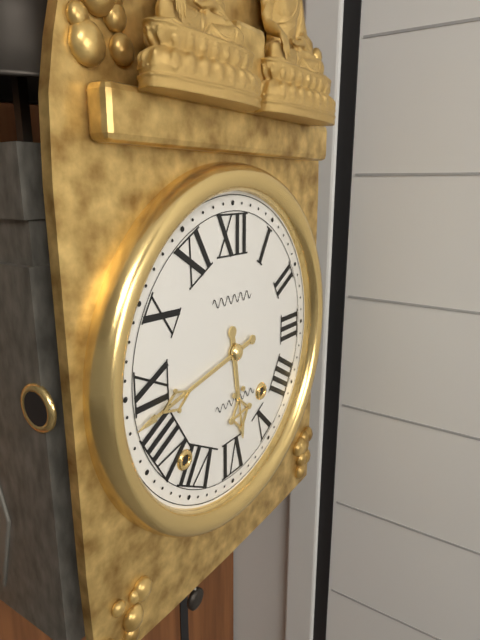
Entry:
5.43
